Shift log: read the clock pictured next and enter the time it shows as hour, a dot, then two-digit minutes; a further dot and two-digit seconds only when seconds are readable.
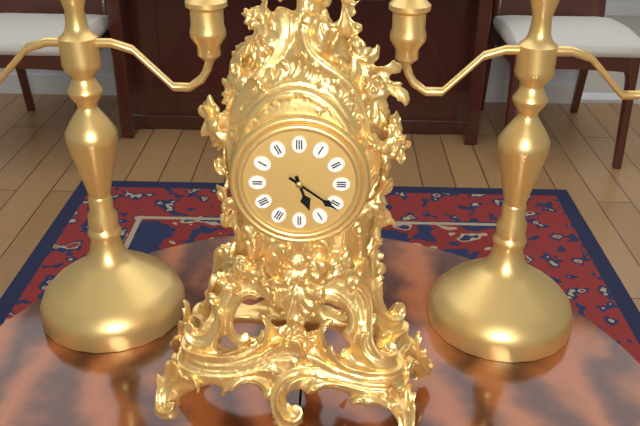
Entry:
5.21
